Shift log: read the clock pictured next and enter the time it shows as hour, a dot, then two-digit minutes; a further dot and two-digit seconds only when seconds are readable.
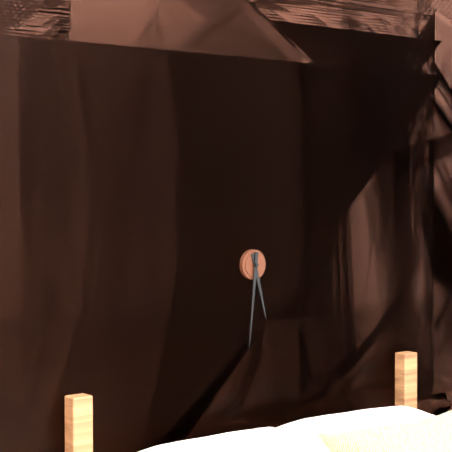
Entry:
5.31
